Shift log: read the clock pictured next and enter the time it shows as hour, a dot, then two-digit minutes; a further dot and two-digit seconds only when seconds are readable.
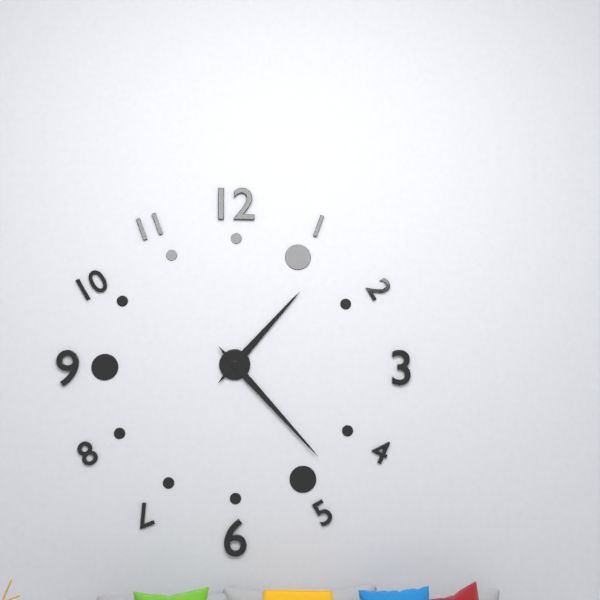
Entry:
1.23
